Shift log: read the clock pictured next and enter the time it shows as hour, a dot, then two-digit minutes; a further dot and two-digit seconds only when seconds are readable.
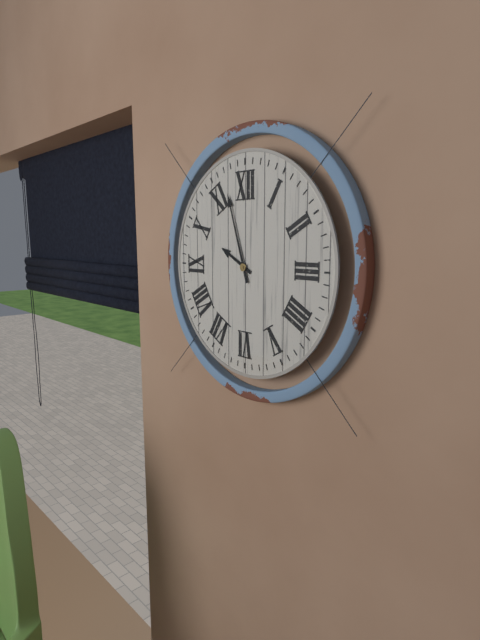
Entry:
9.57
